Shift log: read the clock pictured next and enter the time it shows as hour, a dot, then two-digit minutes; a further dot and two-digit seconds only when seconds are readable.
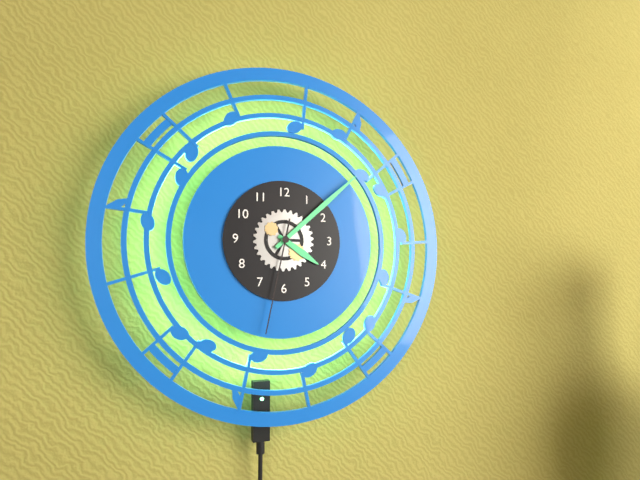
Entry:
4.08.32
